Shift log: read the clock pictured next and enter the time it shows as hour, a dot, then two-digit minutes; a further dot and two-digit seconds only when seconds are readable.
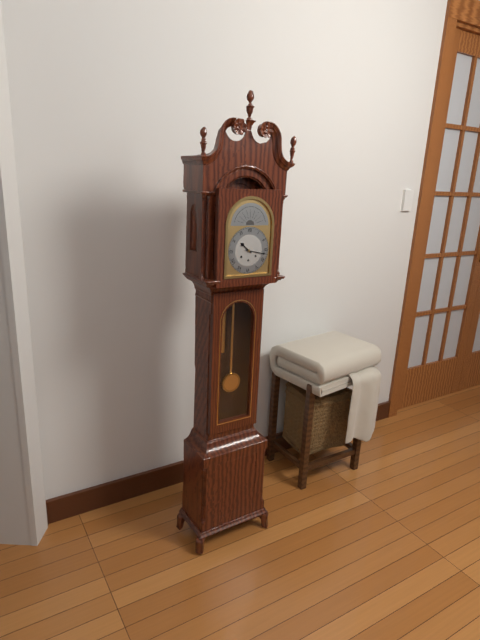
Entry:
10.17
